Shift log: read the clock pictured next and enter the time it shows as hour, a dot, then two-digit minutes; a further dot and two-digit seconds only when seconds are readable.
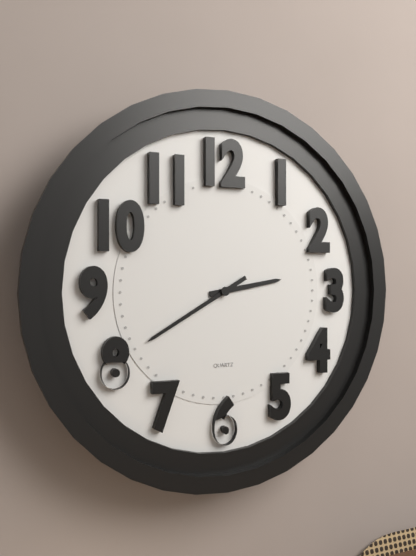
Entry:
2.40
